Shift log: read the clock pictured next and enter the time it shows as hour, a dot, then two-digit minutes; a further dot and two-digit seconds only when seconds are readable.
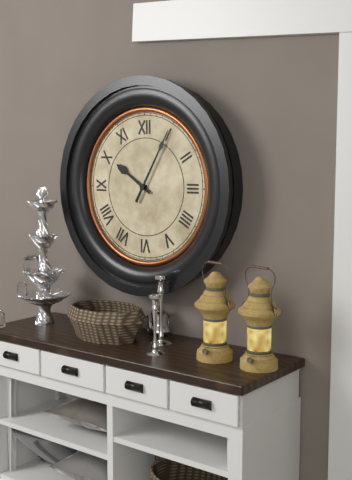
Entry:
10.05
